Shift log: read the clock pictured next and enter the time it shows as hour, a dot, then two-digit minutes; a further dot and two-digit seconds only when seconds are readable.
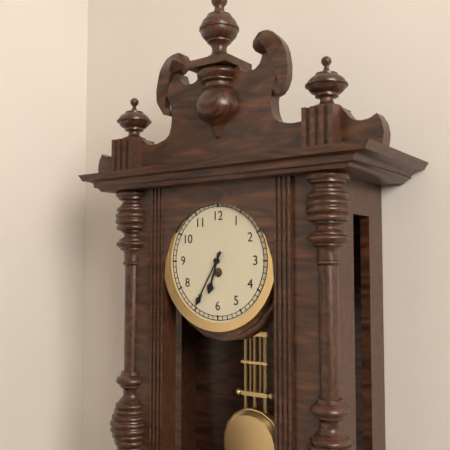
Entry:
6.35
